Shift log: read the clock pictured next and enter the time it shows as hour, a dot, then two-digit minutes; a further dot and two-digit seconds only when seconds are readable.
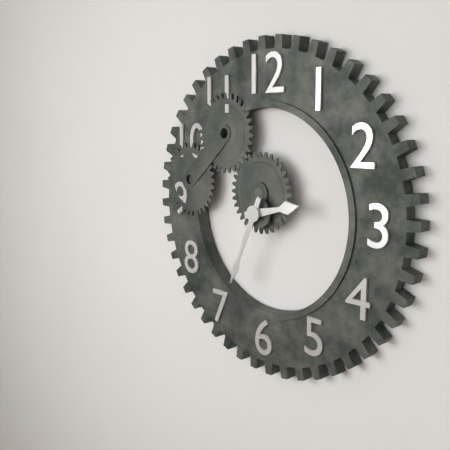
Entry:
2.34
